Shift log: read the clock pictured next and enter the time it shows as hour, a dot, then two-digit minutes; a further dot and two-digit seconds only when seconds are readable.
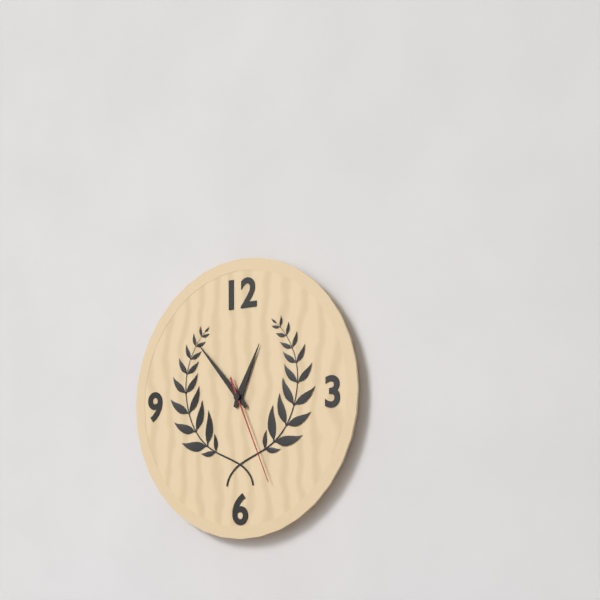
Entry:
12.53.26
